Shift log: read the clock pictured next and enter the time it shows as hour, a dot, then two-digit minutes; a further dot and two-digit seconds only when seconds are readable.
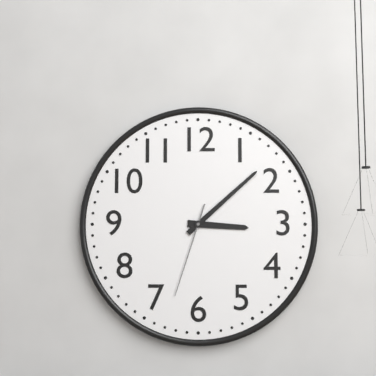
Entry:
3.08.33
